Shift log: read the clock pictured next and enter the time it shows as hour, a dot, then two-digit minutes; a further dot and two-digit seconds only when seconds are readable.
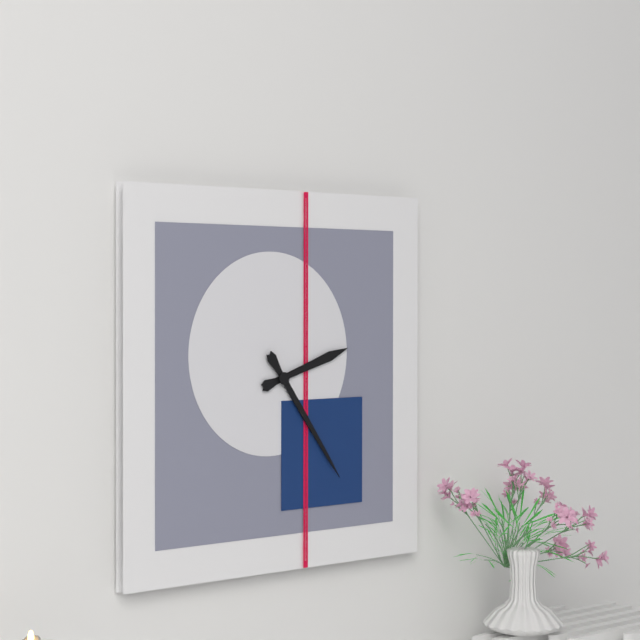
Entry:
2.24
